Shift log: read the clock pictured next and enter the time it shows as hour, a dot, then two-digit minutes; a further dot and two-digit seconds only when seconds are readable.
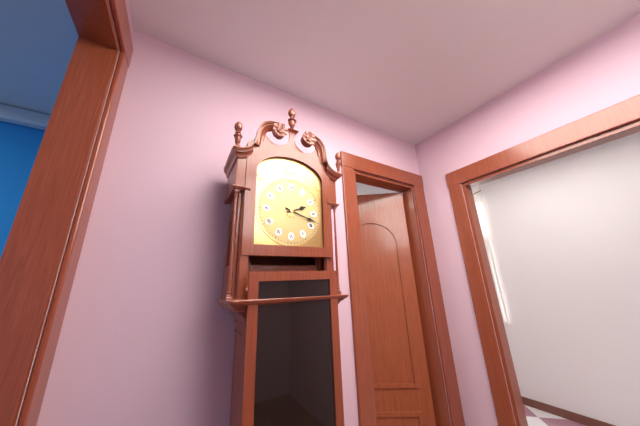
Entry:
2.18
